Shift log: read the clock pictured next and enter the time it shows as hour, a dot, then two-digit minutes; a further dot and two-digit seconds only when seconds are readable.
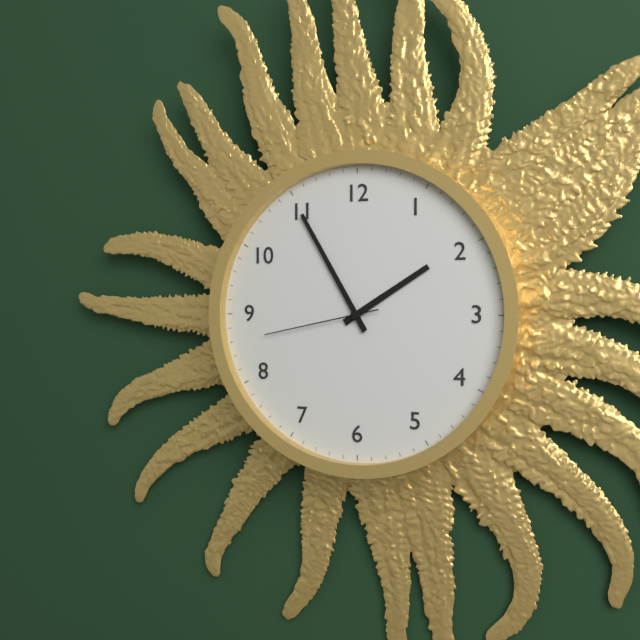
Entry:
1.55.43
